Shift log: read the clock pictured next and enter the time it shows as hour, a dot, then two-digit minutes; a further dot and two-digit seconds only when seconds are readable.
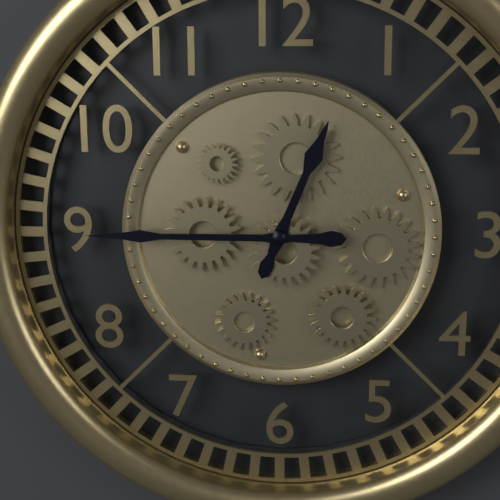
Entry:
12.45
